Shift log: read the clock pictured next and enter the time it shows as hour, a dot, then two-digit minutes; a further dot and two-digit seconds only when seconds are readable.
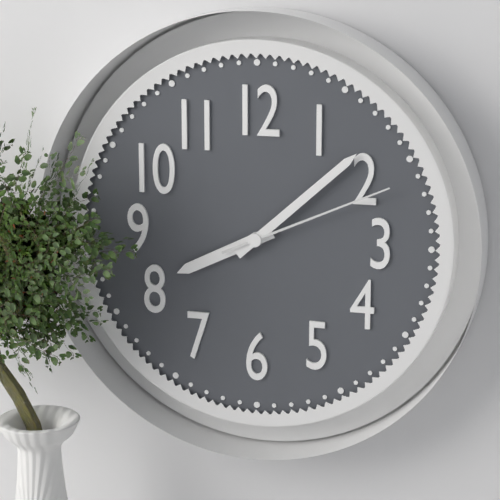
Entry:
8.08.11
